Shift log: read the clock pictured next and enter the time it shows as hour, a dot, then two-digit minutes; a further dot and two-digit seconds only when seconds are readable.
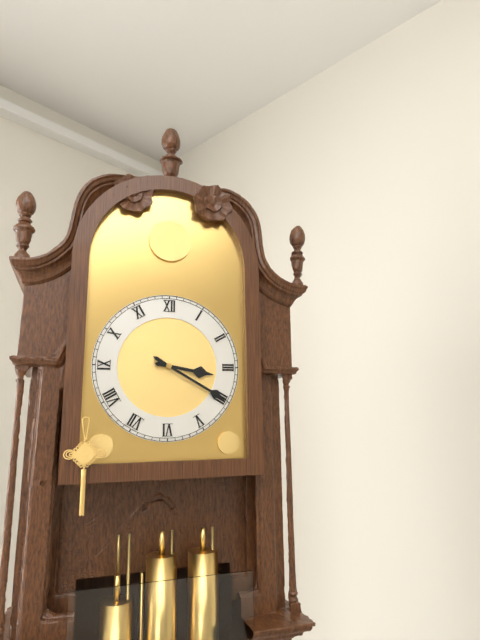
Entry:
3.20
